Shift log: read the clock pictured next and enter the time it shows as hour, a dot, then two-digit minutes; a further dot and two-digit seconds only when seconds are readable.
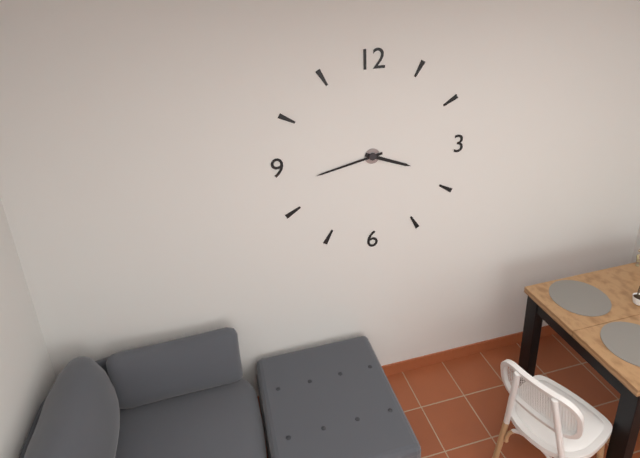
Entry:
3.43
